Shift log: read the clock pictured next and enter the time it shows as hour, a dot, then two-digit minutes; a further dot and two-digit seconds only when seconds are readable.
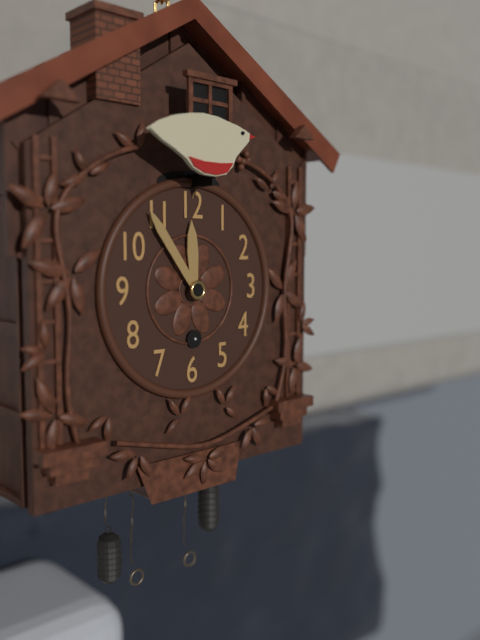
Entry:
11.54
